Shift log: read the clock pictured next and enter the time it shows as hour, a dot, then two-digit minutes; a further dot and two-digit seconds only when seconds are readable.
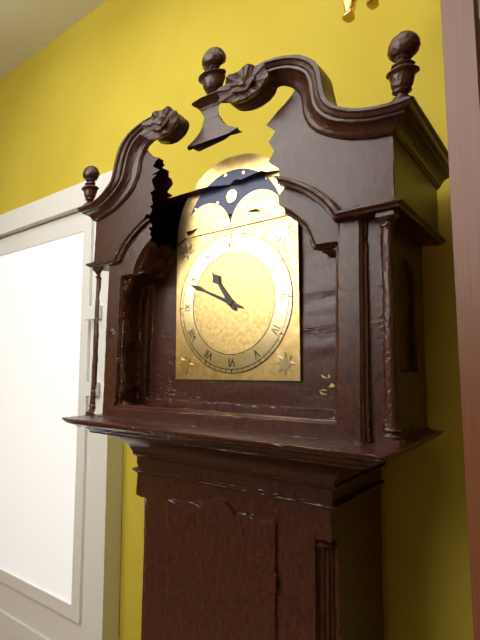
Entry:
10.49
